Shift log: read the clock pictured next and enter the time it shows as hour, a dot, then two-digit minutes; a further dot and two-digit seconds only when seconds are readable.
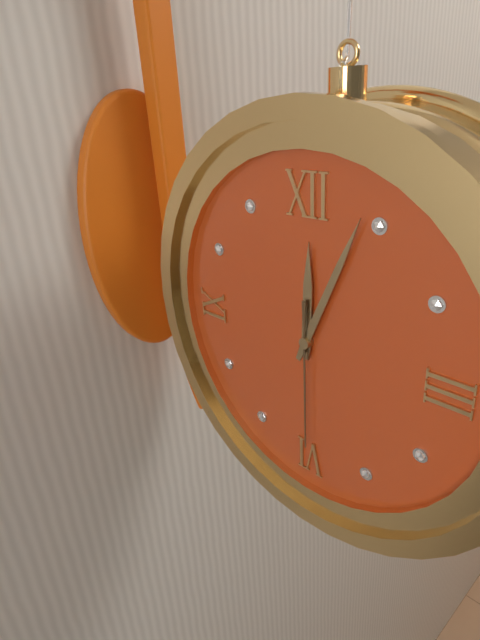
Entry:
12.04.30
